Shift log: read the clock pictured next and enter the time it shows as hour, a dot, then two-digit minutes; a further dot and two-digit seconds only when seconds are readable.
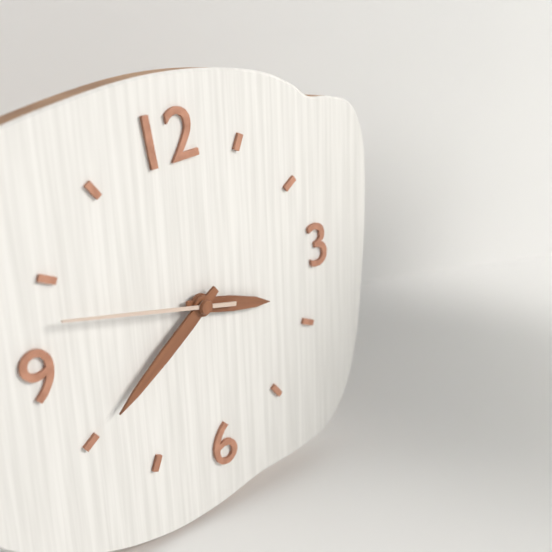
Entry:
3.40.48
